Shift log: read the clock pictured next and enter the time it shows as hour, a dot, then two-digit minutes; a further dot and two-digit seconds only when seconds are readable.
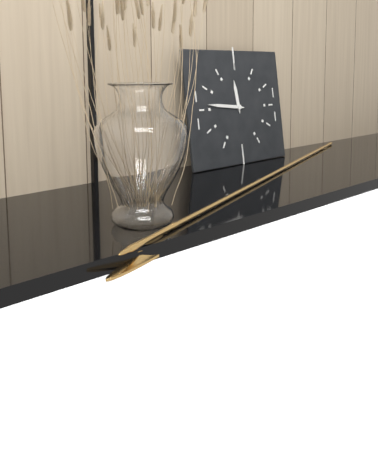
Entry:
11.46
